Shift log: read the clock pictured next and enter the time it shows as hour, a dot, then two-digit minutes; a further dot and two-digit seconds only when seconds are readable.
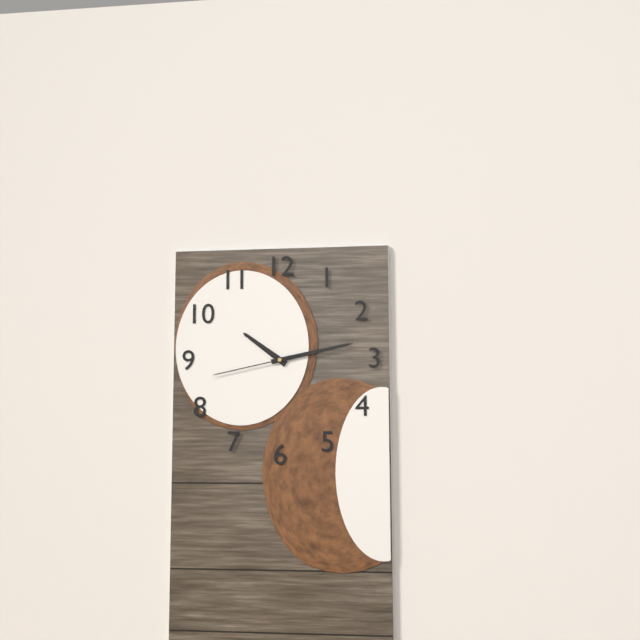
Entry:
10.13.43
